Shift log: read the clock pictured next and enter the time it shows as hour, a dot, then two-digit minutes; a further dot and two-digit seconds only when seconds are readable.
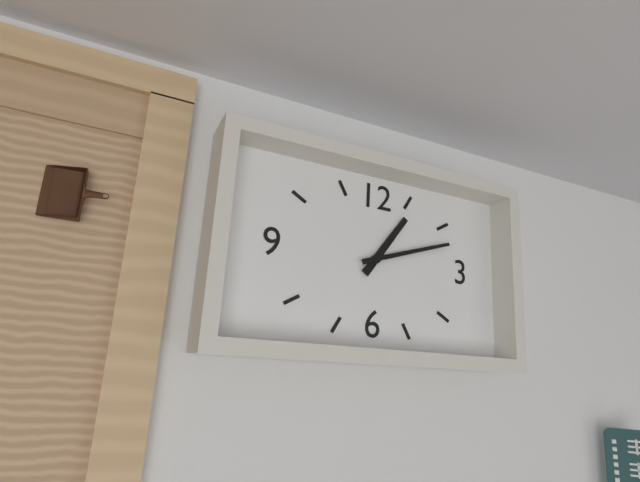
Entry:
1.12
